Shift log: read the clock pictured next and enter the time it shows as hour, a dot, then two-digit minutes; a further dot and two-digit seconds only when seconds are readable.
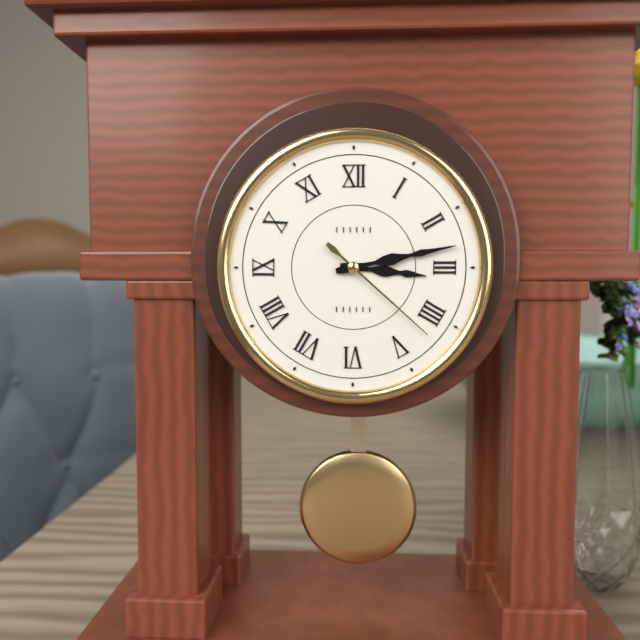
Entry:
3.13.22
